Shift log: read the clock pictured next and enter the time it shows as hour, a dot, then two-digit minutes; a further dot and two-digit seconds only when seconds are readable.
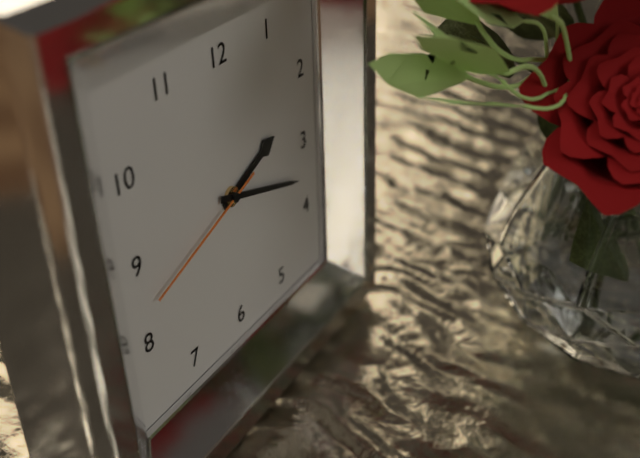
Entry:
2.18.42
